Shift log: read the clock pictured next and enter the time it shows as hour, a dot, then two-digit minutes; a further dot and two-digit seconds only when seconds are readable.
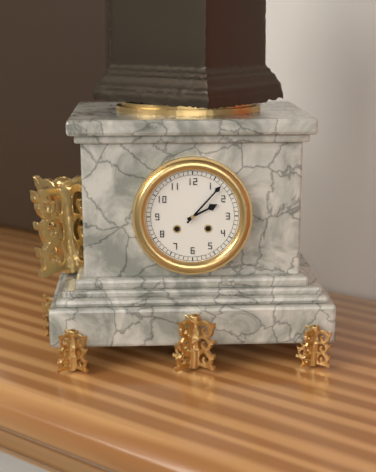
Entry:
2.07
